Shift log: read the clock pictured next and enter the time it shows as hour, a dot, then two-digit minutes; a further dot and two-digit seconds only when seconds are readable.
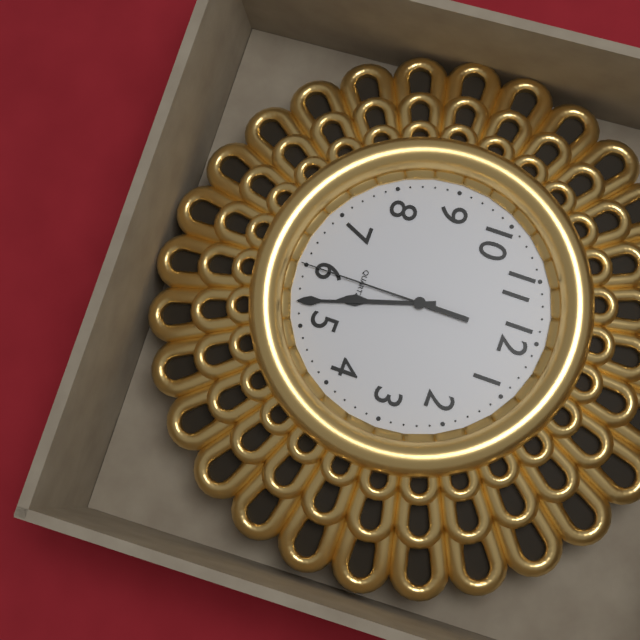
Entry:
5.27.30
